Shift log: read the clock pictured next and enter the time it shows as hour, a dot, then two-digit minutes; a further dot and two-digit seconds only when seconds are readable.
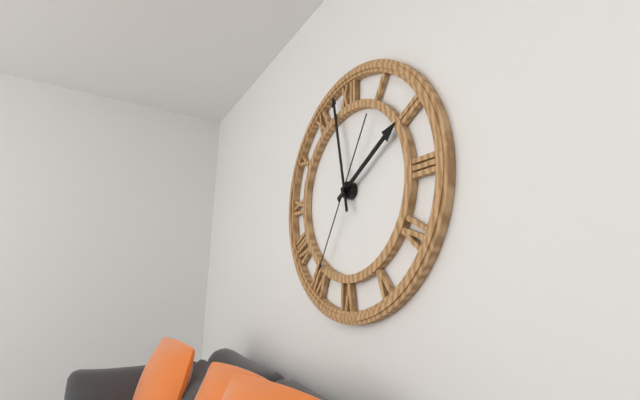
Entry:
1.58.35
